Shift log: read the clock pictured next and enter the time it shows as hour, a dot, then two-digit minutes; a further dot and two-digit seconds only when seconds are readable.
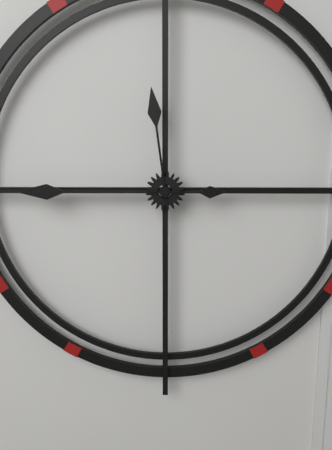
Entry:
11.45
